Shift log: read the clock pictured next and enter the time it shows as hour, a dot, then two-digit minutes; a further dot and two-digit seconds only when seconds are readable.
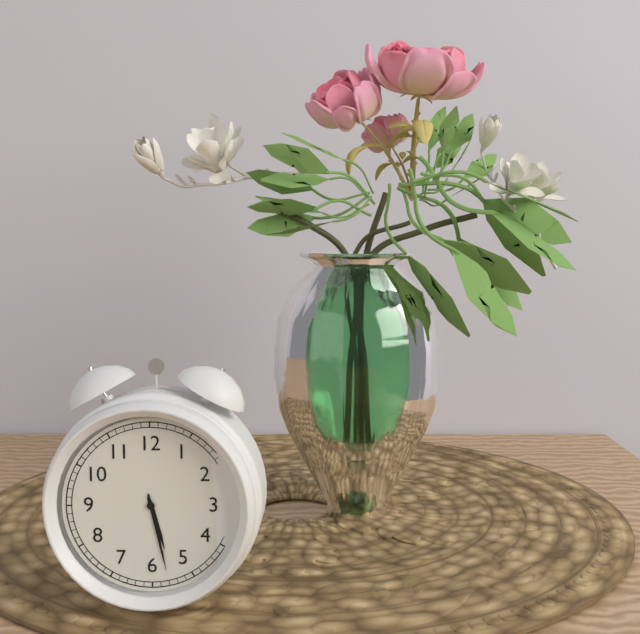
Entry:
5.28
